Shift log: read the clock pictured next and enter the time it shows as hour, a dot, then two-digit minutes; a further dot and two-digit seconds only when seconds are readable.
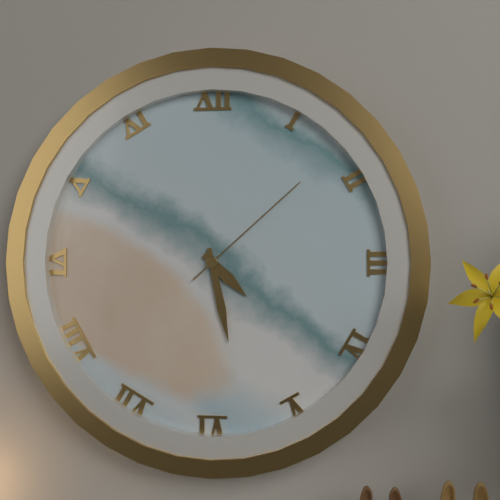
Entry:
4.28.08
